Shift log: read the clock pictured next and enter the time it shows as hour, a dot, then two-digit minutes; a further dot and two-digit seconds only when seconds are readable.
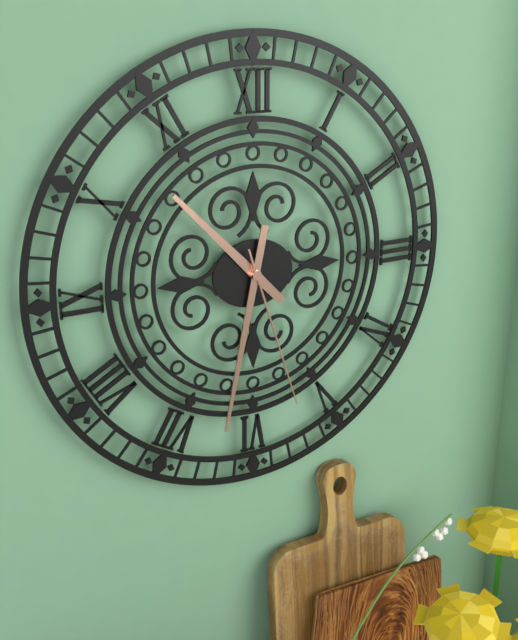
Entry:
10.32.27
